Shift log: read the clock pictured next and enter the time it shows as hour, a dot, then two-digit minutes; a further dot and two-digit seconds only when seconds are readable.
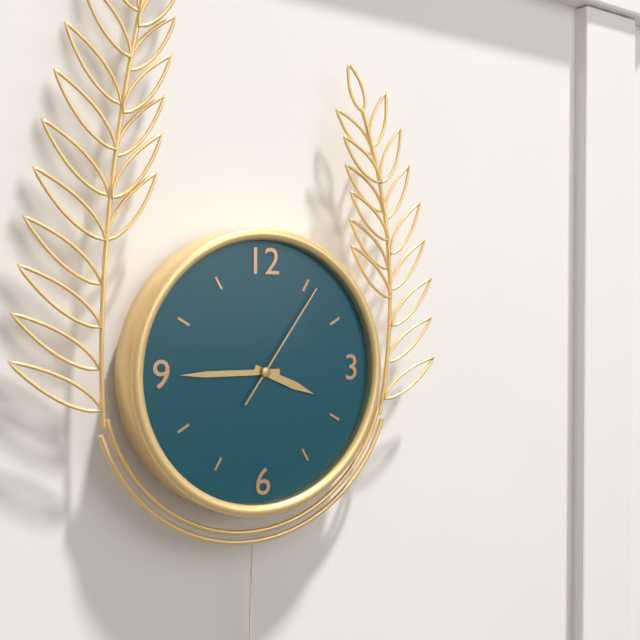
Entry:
3.45.06
